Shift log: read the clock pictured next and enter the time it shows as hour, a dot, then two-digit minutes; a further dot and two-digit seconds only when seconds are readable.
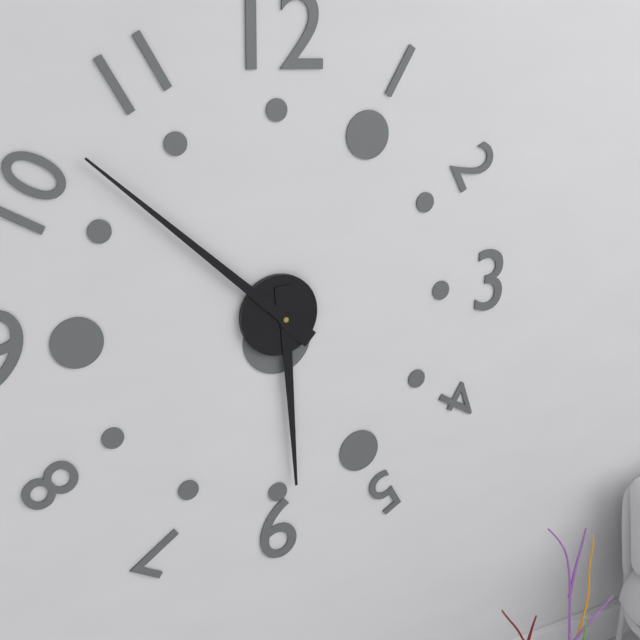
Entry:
5.52
